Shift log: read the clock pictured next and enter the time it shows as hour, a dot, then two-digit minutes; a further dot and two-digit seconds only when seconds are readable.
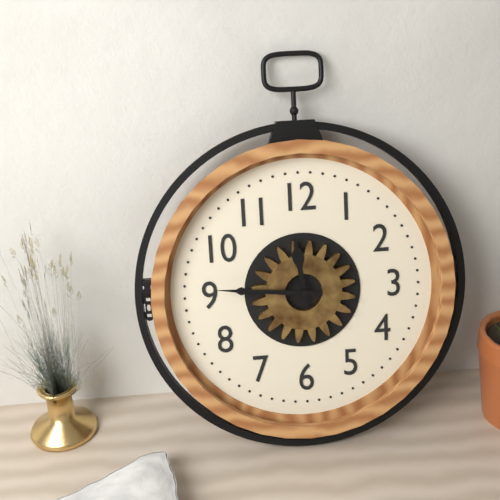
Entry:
11.46
